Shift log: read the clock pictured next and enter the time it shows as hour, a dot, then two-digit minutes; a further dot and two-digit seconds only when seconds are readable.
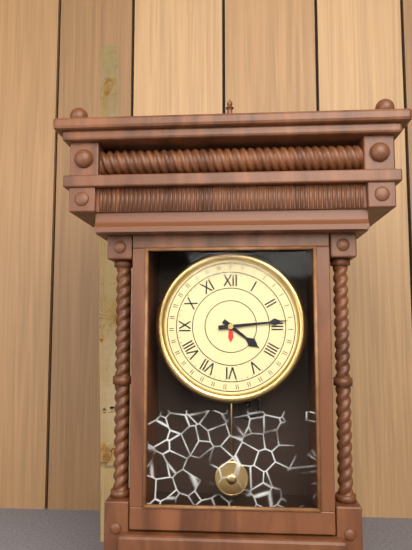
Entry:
4.14
